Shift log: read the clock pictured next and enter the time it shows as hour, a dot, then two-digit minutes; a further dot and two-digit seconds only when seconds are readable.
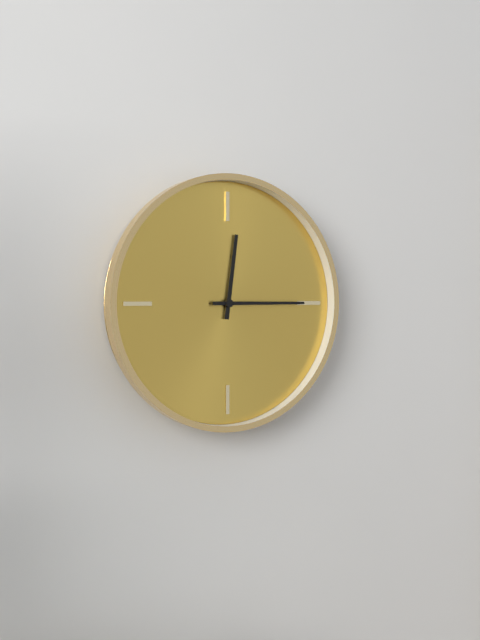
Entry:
12.15
